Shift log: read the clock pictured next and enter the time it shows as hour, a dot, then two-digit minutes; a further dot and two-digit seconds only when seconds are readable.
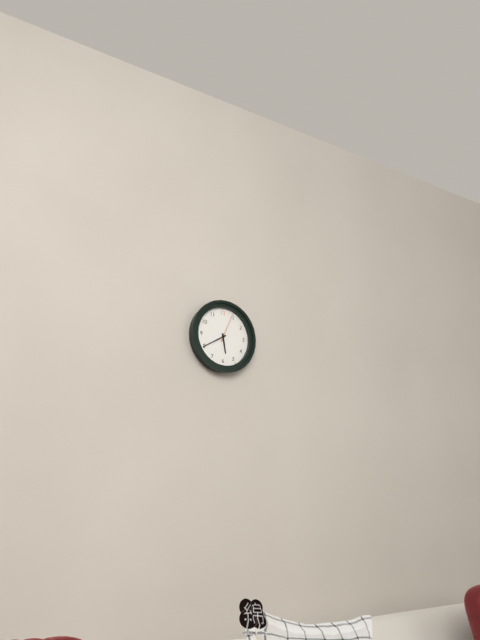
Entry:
5.40
